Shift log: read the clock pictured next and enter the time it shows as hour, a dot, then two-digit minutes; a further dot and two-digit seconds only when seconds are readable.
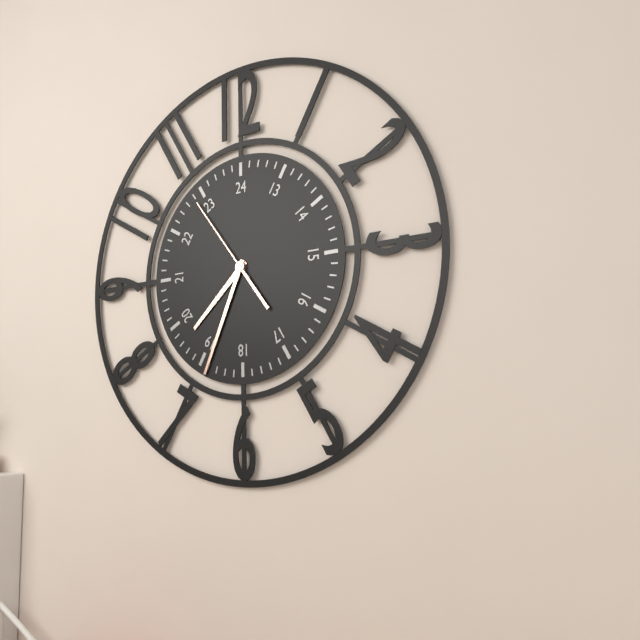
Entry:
7.34.54
